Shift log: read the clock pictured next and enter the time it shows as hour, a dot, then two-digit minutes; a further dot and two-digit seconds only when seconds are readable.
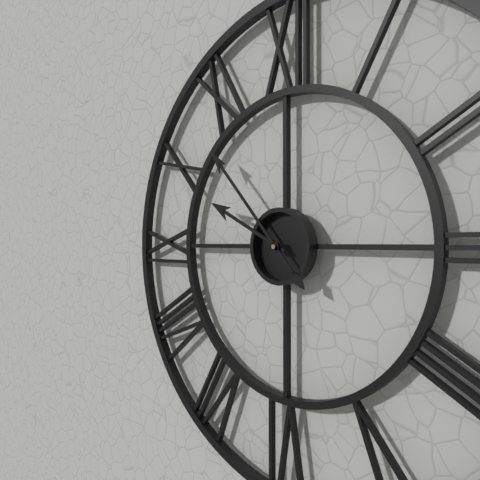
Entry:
9.53
